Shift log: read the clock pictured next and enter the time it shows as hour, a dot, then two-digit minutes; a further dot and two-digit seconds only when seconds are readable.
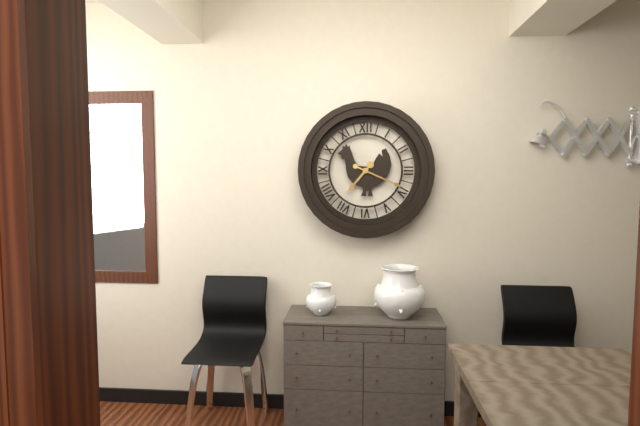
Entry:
7.19
